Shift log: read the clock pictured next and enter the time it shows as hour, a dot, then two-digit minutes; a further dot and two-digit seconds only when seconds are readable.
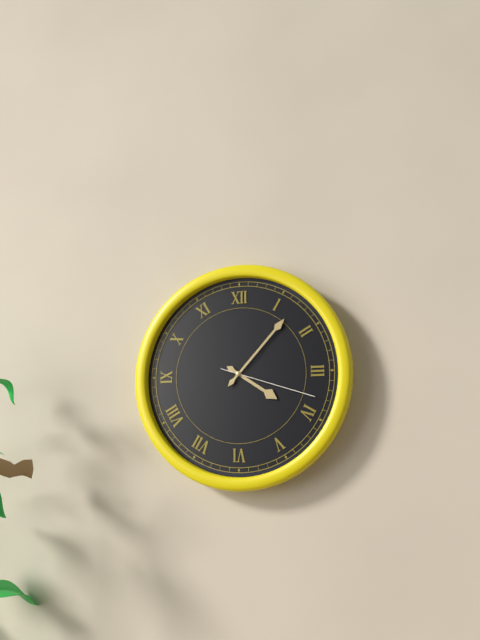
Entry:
4.07.18
